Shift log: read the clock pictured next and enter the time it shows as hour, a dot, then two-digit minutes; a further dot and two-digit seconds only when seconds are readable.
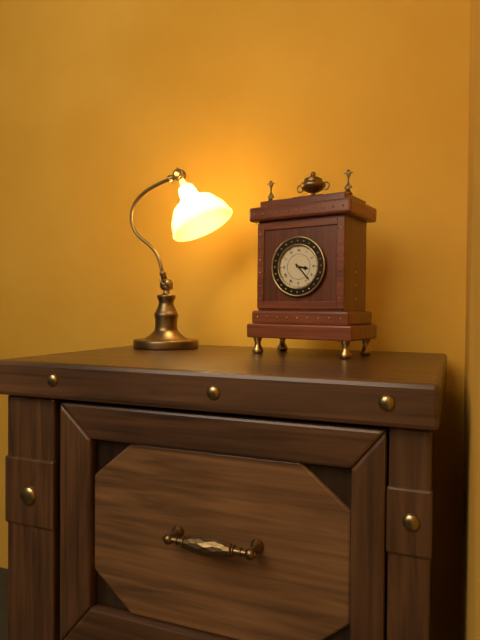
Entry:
3.23
